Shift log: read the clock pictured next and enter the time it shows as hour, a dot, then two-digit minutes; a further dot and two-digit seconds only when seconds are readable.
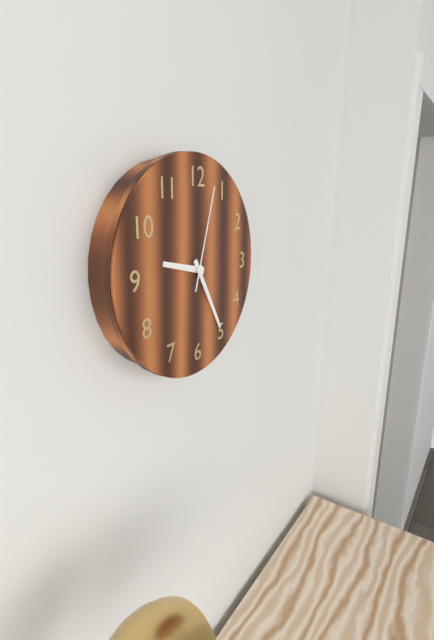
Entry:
9.25.03
